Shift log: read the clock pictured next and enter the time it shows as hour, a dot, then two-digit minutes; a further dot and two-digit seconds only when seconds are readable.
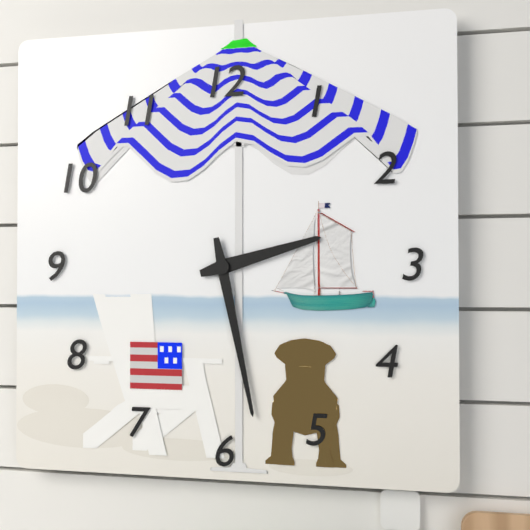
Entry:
2.28
